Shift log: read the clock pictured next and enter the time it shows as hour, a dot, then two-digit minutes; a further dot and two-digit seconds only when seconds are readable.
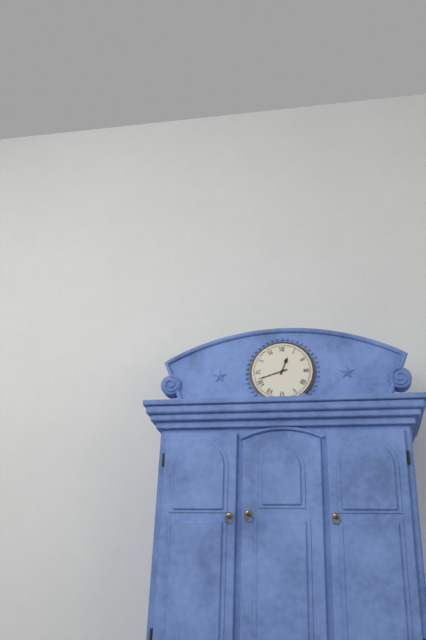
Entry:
12.42
